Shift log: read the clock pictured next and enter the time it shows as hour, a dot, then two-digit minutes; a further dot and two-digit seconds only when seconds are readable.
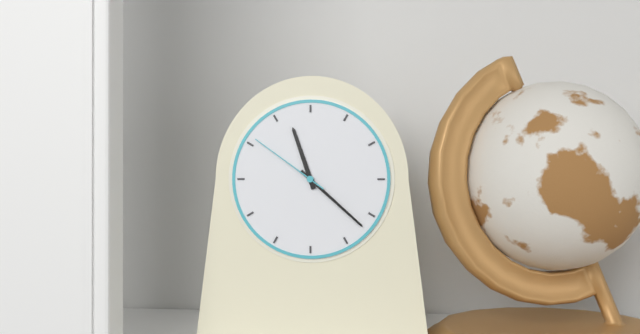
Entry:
11.22.51
